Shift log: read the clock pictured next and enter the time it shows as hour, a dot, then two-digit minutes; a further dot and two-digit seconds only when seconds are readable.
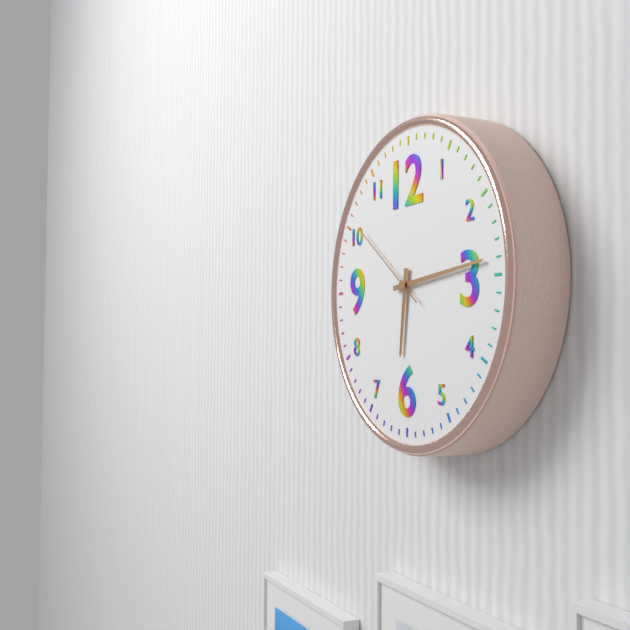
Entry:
6.14.51
